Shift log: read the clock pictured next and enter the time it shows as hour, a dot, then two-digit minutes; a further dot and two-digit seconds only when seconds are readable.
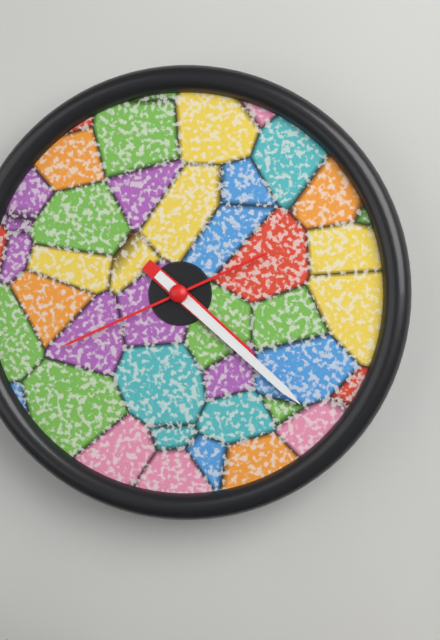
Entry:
4.22.41
